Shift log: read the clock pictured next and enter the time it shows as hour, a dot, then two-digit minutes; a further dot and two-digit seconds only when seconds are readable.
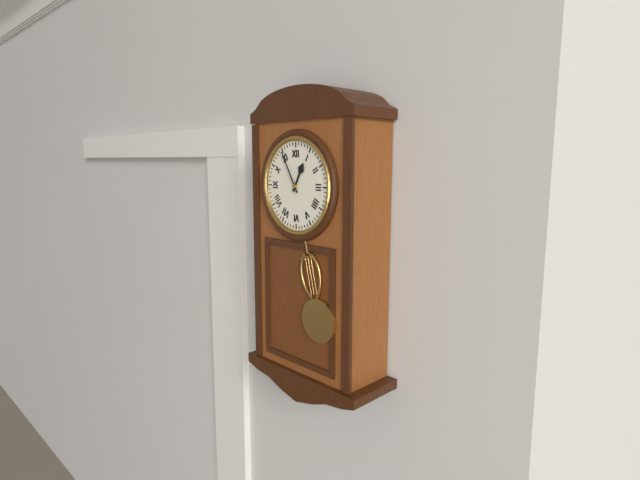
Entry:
12.55
